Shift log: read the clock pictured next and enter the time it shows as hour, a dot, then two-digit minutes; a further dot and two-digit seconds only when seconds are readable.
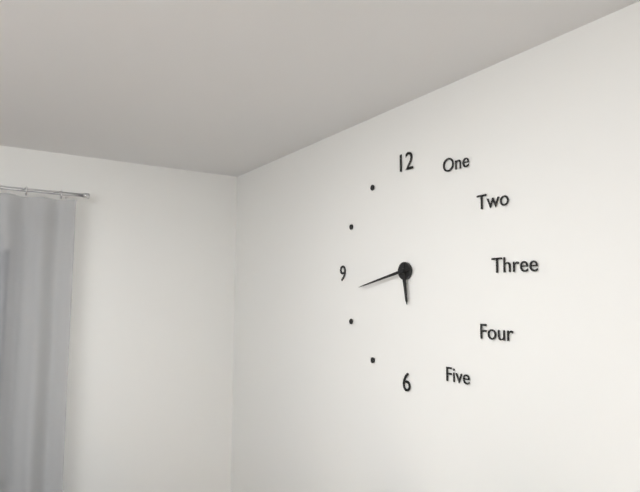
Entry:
5.43
